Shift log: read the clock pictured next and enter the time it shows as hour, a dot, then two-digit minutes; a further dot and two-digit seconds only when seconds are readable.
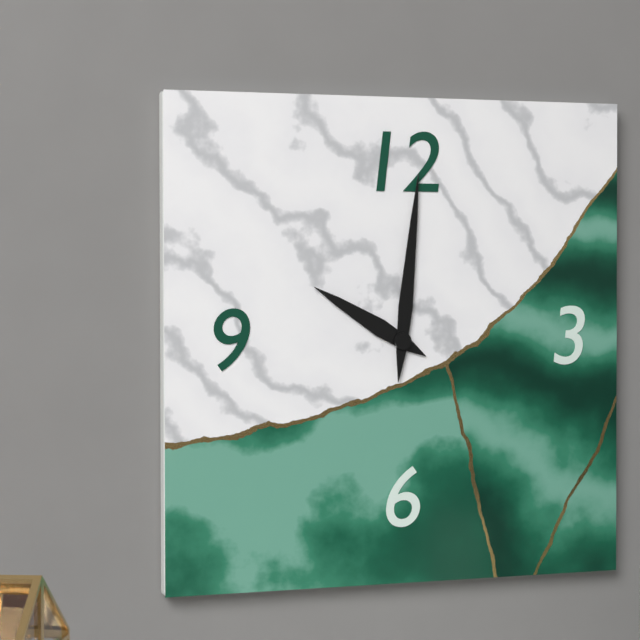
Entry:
10.01
